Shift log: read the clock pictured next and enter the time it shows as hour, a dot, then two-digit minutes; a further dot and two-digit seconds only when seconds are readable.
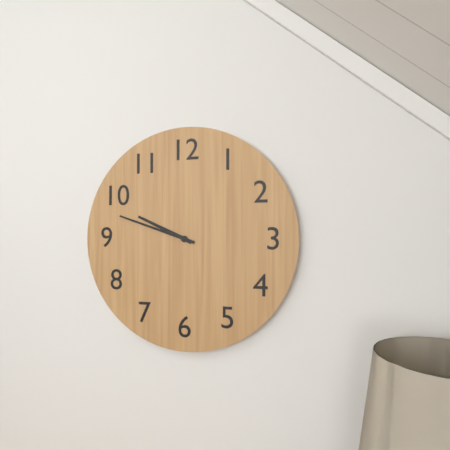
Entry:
9.48
